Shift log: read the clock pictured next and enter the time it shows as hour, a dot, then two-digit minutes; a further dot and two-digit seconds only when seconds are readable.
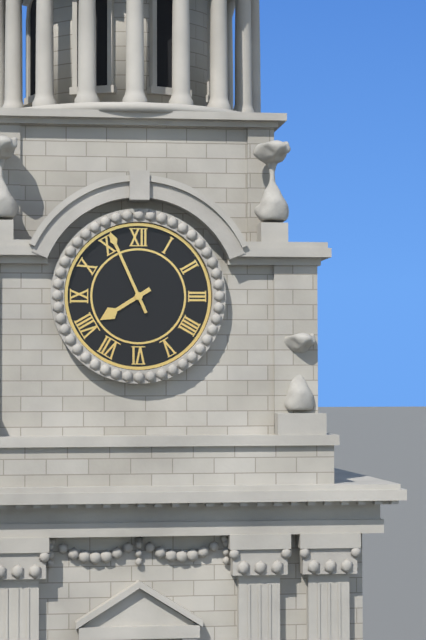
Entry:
7.56
